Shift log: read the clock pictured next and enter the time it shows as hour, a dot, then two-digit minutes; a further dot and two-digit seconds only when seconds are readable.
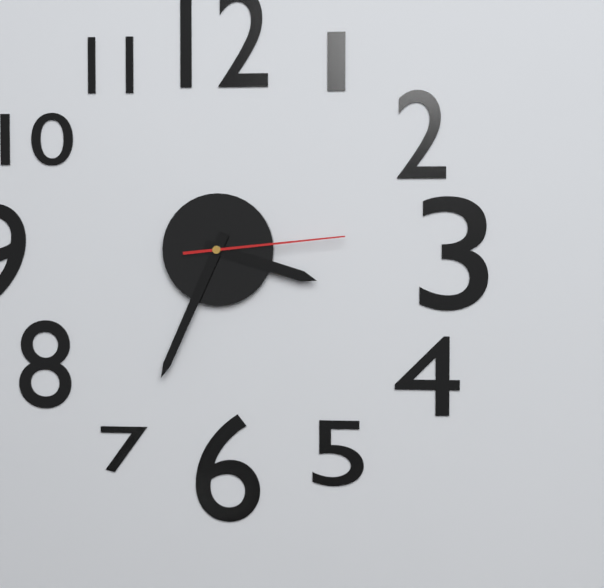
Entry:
3.34.14
